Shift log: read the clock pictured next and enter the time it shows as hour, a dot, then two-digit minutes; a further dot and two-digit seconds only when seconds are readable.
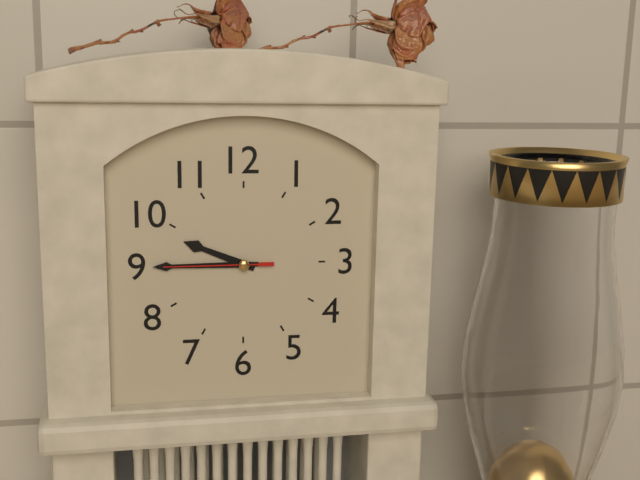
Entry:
9.45.45
